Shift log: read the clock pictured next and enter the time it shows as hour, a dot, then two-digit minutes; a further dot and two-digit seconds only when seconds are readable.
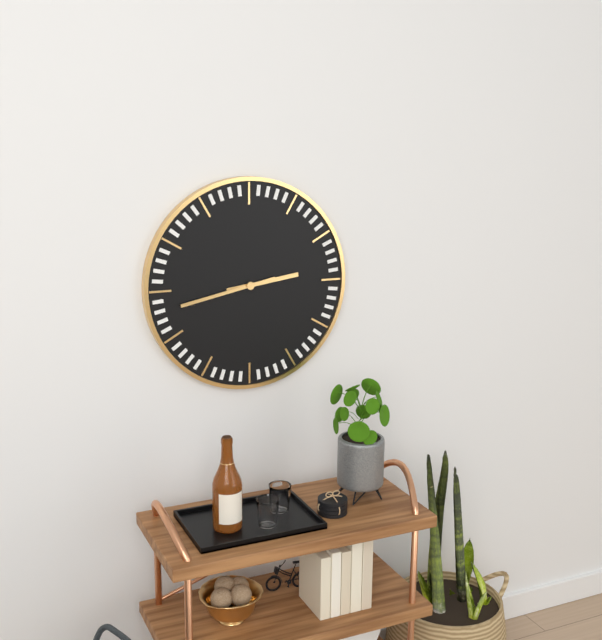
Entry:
2.43
